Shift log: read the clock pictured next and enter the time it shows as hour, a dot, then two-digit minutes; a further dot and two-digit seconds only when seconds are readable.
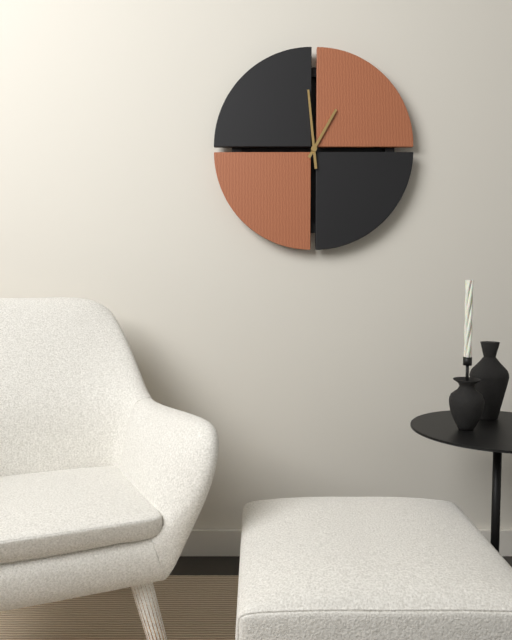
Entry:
12.59
